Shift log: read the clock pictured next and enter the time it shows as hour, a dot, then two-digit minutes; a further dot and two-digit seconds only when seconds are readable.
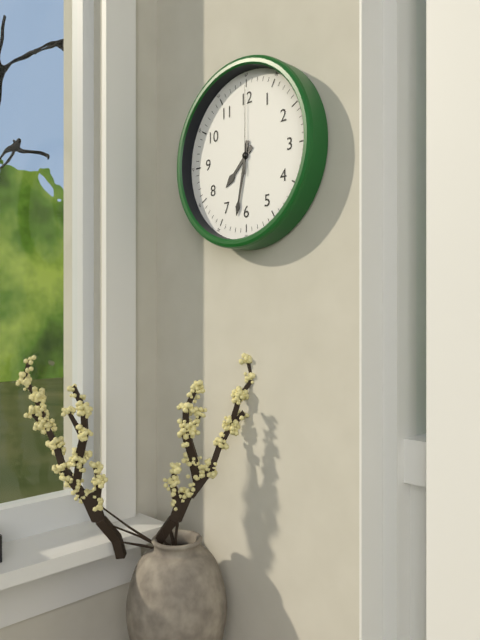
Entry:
7.32.00
